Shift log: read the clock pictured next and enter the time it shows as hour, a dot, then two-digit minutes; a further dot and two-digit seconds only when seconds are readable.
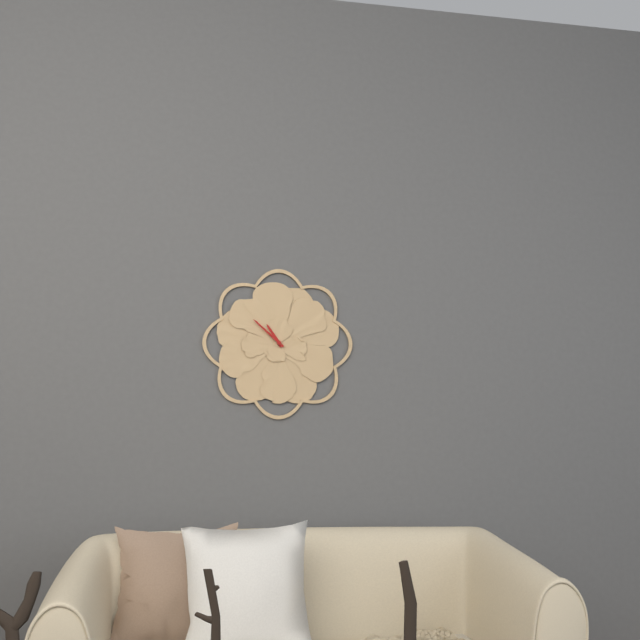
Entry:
10.52
